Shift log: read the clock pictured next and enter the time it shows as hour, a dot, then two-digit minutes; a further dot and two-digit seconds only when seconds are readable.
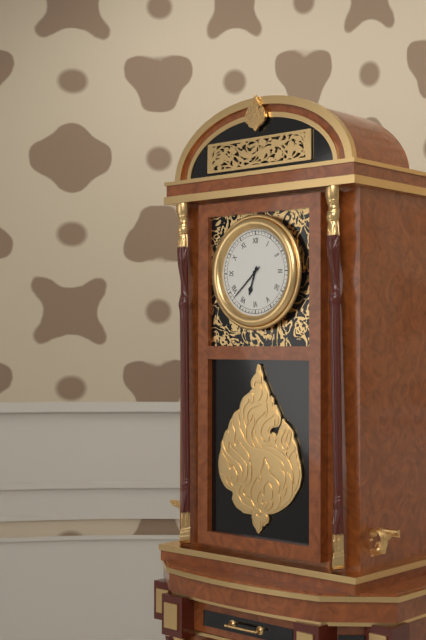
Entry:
6.38
